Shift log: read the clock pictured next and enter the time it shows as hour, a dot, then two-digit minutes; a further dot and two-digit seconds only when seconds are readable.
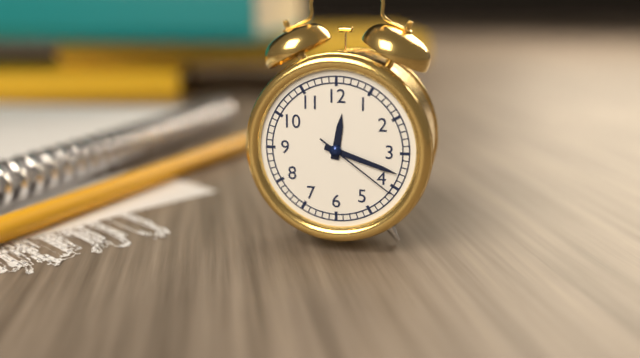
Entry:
12.18.21
